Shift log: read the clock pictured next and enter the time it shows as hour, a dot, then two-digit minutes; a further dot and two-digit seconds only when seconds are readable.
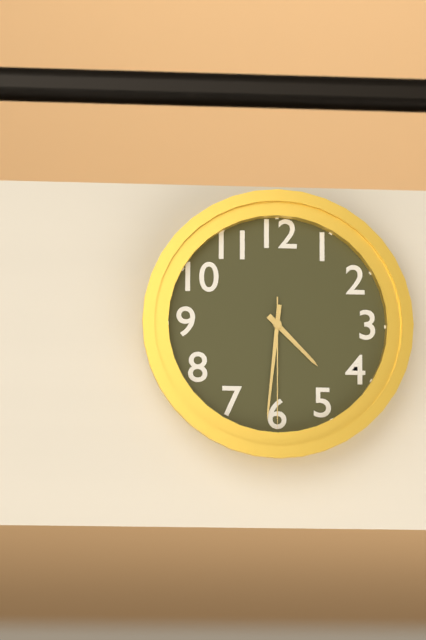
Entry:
4.31.30
